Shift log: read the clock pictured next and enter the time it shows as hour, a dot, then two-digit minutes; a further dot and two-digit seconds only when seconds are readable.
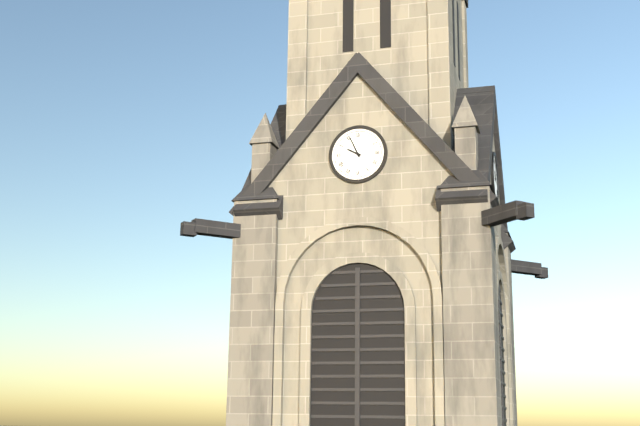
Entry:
9.56
